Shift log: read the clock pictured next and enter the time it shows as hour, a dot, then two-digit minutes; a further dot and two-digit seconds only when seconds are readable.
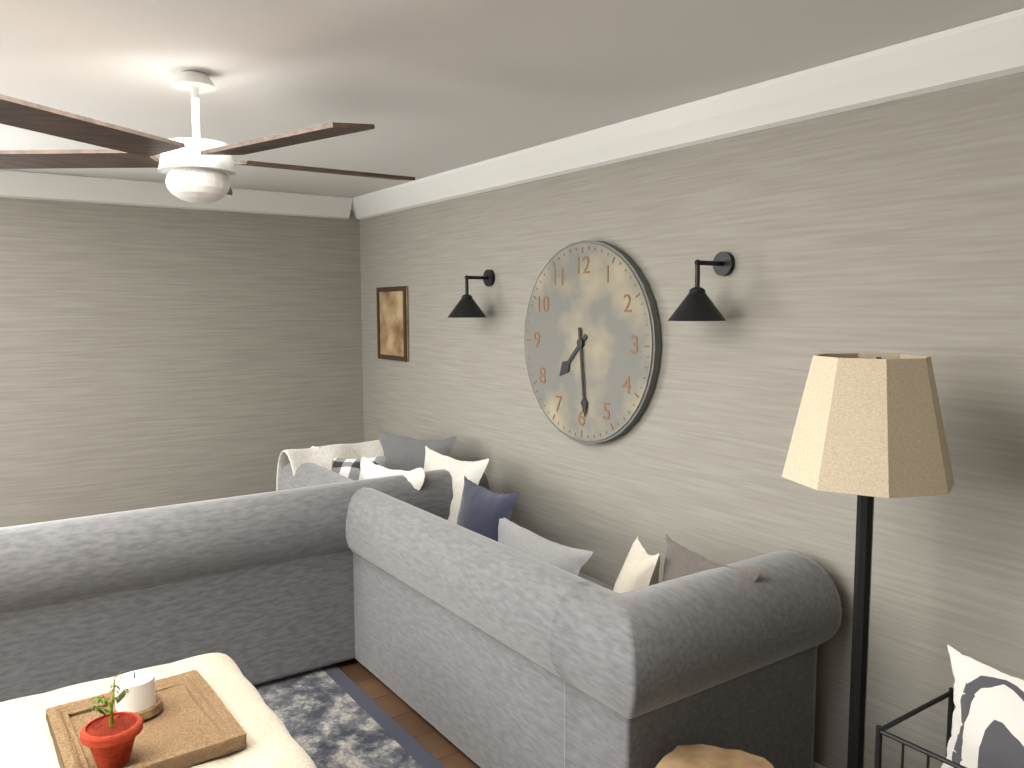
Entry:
7.29
